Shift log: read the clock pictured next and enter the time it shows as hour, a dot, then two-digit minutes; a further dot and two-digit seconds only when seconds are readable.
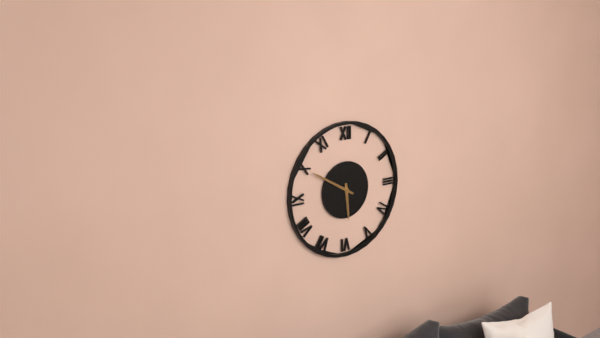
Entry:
5.50
